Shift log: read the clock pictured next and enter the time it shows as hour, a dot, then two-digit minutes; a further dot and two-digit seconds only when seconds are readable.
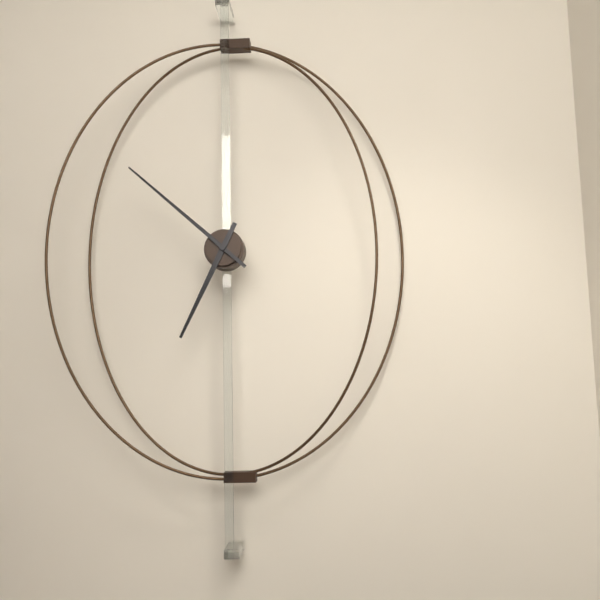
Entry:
6.52
